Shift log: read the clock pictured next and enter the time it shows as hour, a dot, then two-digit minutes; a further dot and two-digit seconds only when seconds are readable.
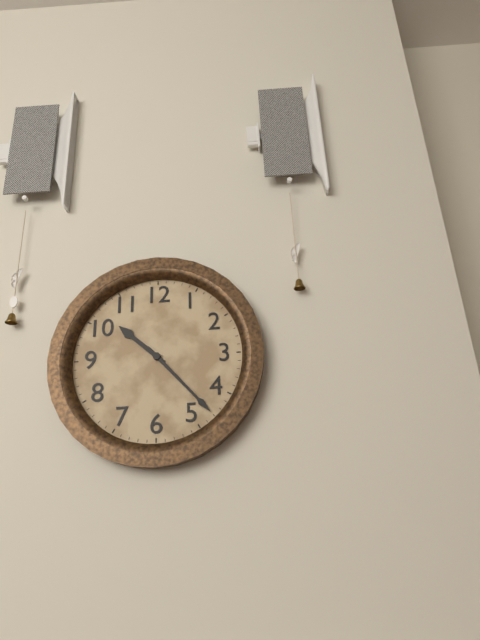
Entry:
10.23
